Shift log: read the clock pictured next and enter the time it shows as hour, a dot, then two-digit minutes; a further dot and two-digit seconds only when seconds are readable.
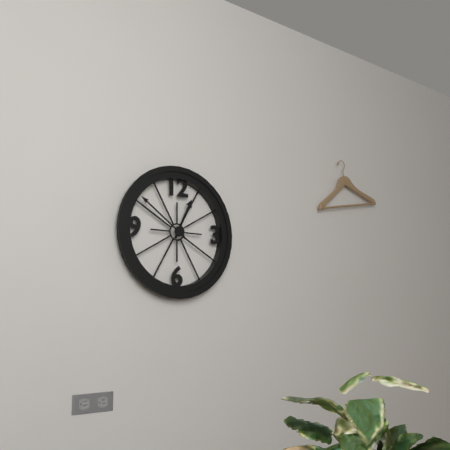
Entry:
12.51
